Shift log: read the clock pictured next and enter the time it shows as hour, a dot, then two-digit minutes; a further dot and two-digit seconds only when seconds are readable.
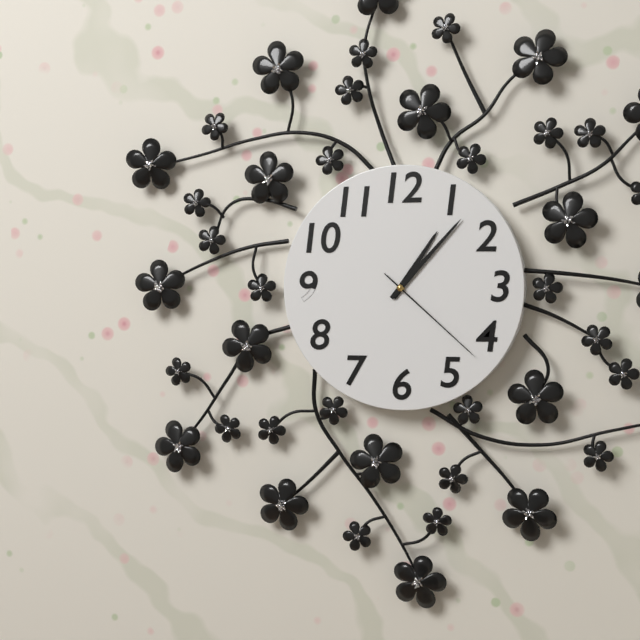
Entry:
1.07.22
